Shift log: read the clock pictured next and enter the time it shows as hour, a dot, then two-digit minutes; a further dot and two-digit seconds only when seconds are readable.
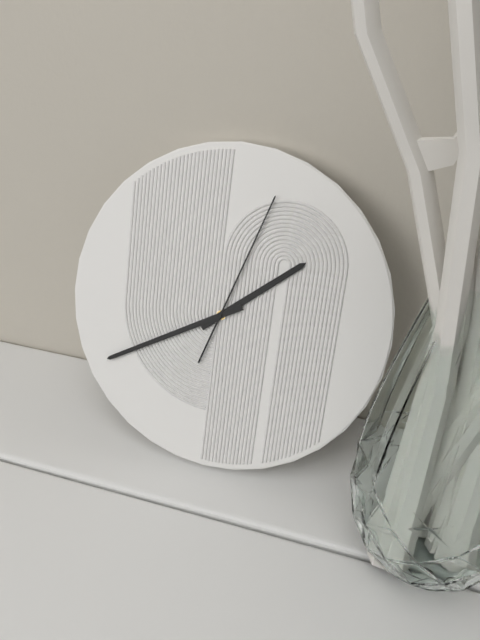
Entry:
1.40.03
